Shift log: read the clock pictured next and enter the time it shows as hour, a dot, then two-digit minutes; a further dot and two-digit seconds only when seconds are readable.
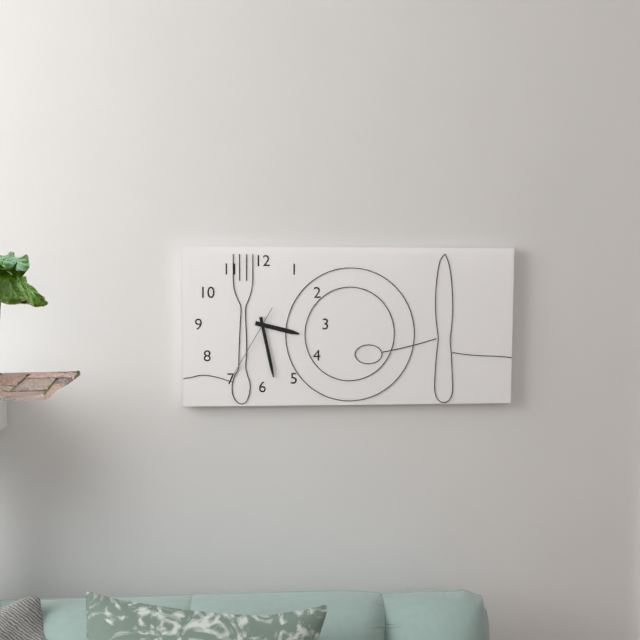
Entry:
3.28.35
